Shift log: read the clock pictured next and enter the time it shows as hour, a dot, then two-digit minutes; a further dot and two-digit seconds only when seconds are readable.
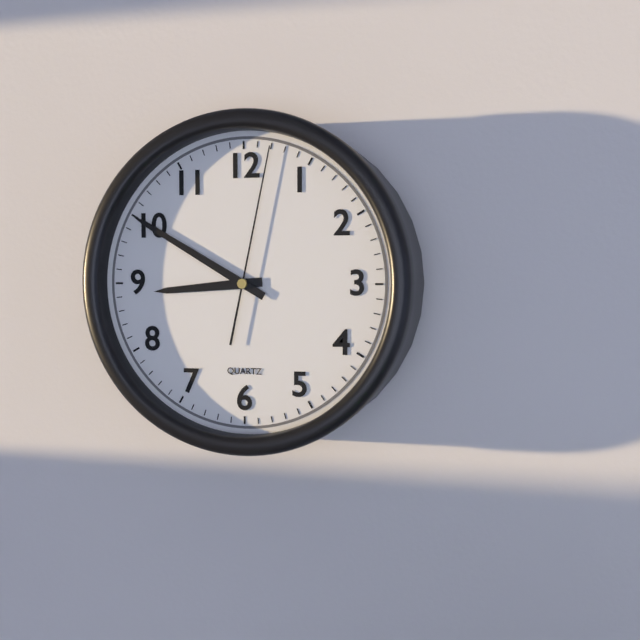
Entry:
8.50.02
